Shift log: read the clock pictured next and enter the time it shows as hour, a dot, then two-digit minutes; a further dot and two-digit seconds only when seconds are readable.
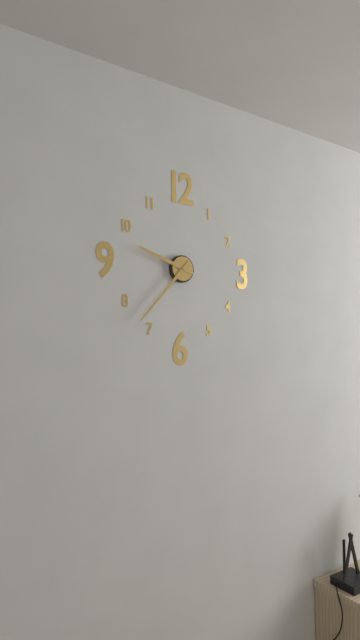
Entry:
9.37
